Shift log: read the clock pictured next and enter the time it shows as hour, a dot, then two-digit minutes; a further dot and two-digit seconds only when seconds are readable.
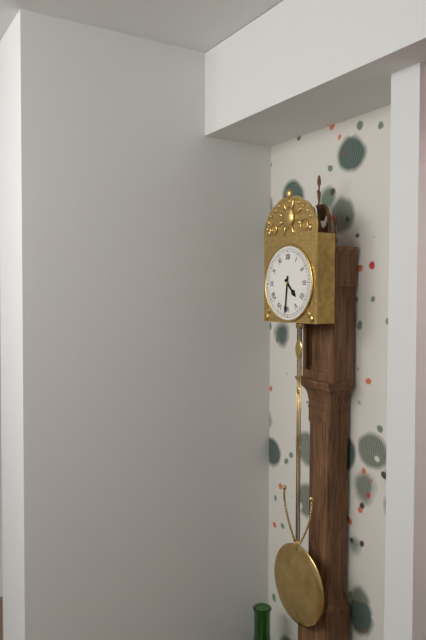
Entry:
4.31
